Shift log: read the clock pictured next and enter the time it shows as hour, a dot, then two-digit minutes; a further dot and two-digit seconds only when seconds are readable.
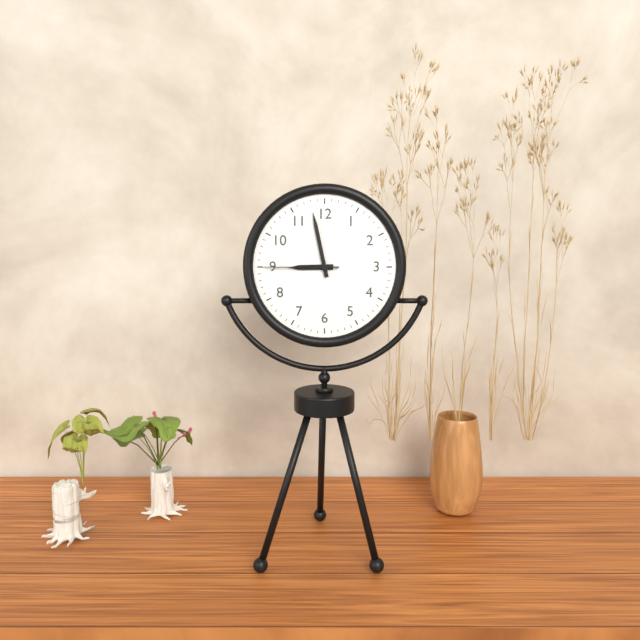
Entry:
8.58.45
